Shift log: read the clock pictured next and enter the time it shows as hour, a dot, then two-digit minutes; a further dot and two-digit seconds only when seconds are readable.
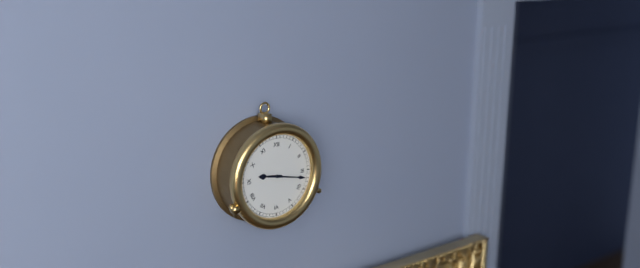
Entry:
9.17
